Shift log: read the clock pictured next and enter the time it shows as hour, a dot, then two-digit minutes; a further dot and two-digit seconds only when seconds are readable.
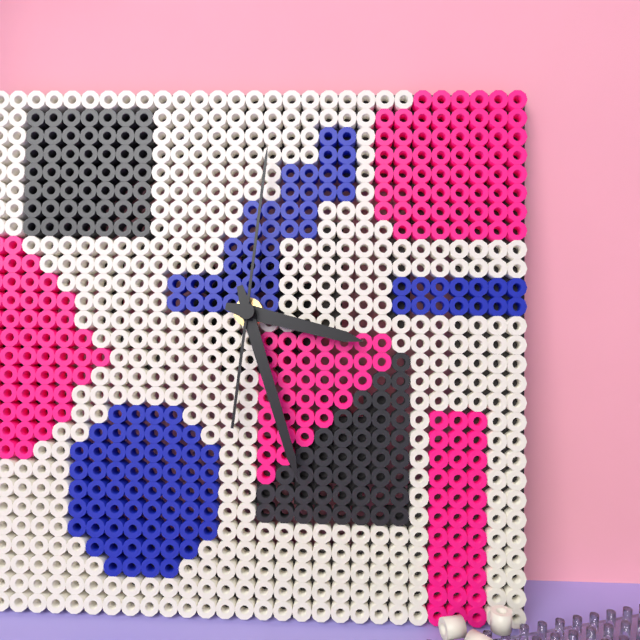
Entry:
3.27.01
